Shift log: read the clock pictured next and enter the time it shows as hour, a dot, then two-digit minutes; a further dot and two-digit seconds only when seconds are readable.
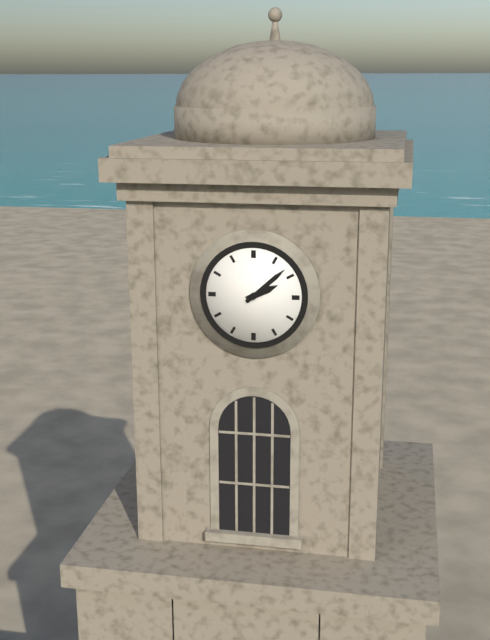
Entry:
2.08
